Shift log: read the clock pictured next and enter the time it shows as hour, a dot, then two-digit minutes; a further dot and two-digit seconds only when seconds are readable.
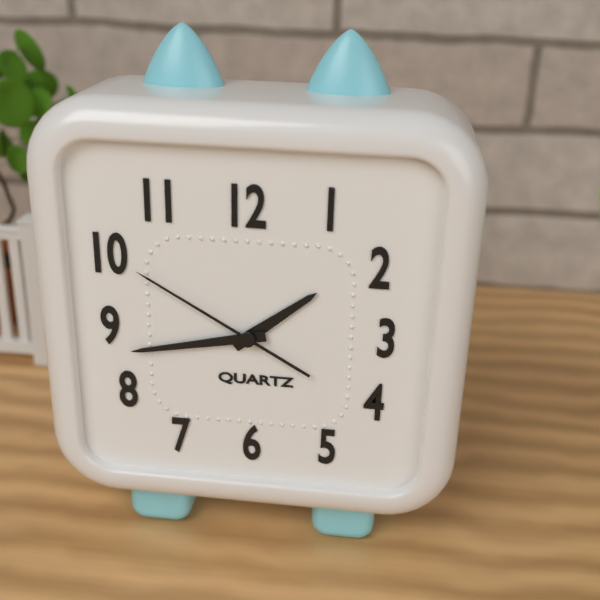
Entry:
1.43.50
